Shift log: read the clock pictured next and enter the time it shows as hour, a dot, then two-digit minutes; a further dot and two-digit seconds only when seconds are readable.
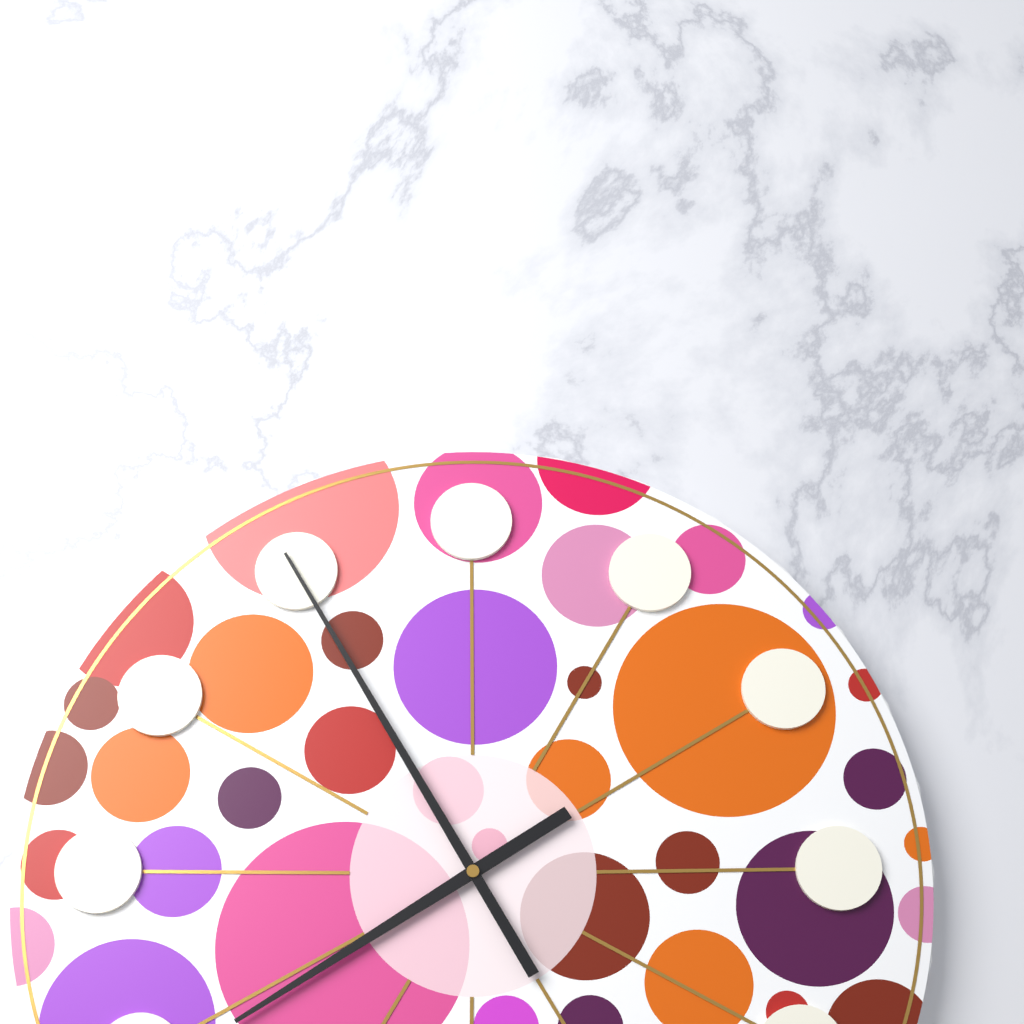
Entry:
7.55
